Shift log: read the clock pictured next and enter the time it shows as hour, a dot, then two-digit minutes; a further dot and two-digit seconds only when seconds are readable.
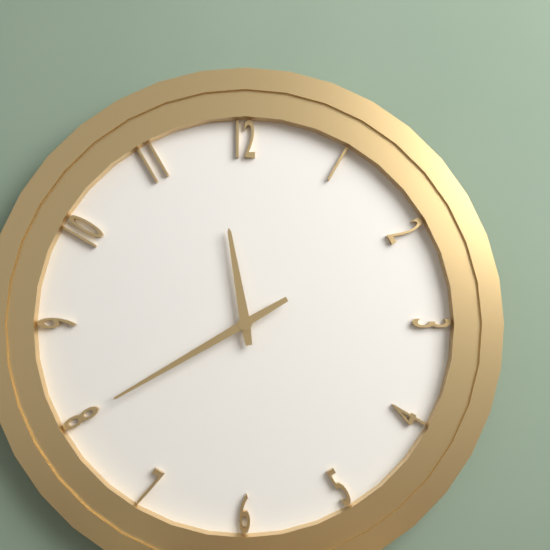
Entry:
11.40
